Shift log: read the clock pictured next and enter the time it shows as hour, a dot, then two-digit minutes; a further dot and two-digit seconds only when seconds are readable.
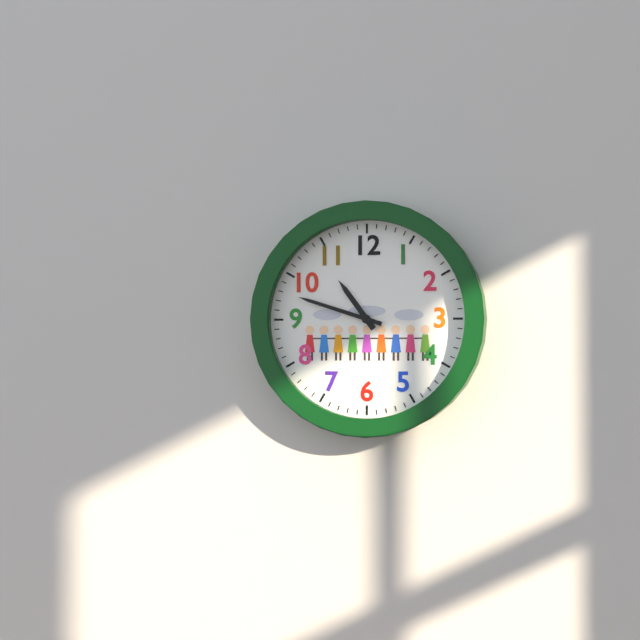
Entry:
10.48
